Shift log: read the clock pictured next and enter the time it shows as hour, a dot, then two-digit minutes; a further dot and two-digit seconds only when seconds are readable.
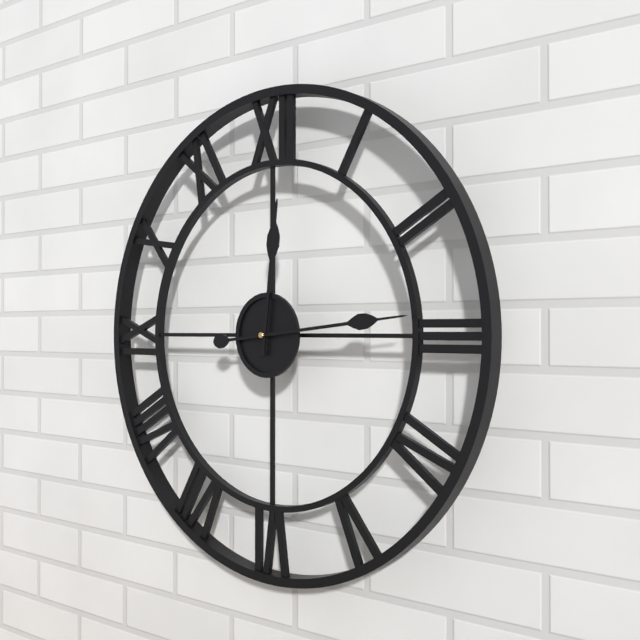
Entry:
12.14
